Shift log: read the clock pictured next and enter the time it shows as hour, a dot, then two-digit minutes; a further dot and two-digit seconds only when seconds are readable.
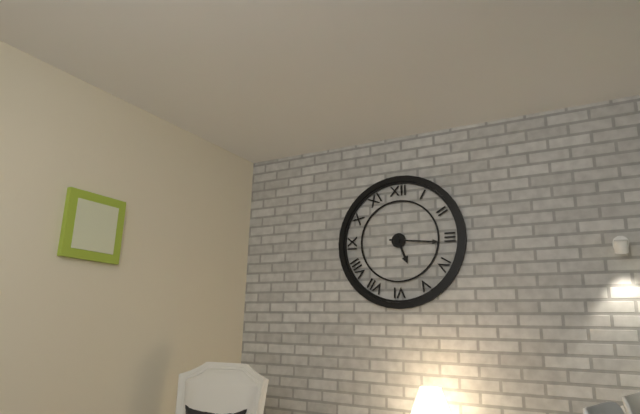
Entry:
5.16
